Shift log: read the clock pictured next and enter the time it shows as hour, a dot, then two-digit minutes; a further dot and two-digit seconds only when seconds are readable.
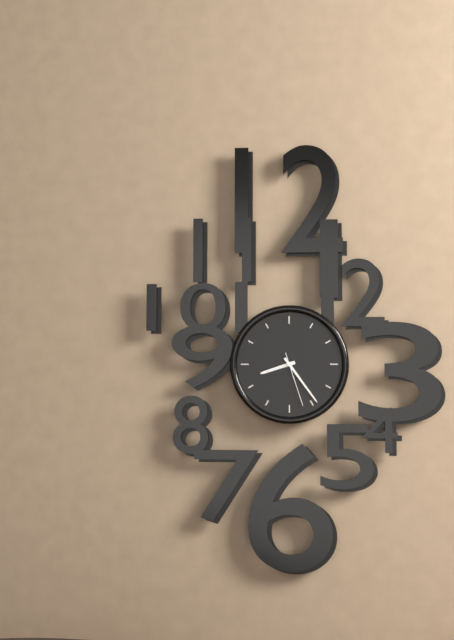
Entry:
8.24.27
